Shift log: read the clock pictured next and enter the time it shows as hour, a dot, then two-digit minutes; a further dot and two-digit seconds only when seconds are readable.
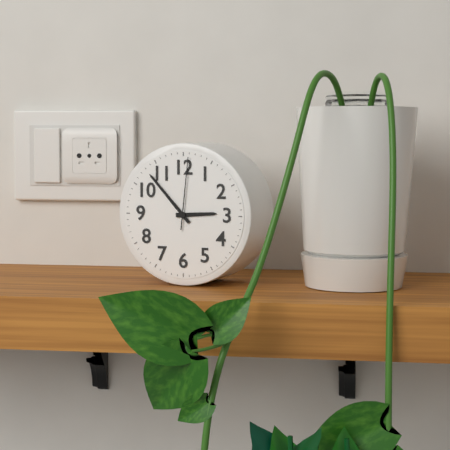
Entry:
2.53.01
